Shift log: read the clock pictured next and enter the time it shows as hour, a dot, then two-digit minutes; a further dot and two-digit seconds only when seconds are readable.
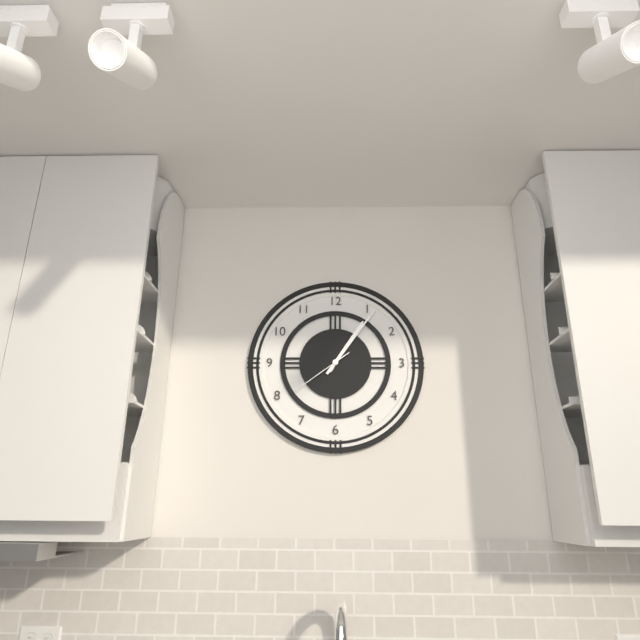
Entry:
1.06.39
